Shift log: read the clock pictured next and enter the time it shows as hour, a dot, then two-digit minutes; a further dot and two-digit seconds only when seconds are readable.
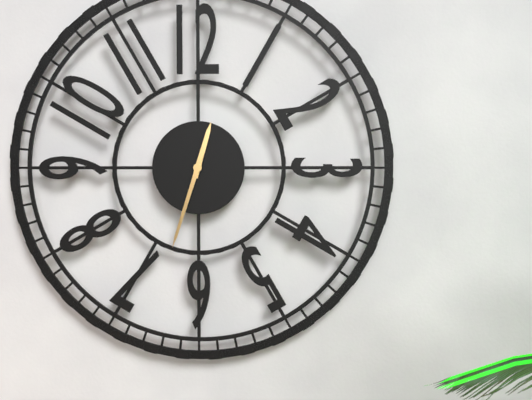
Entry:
12.33
